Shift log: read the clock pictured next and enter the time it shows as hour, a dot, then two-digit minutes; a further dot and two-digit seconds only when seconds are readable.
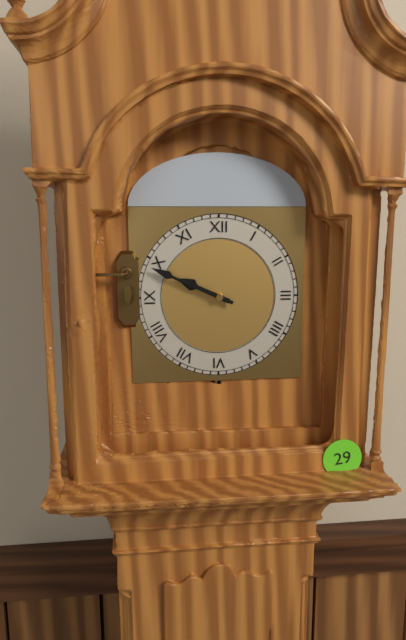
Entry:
9.49
